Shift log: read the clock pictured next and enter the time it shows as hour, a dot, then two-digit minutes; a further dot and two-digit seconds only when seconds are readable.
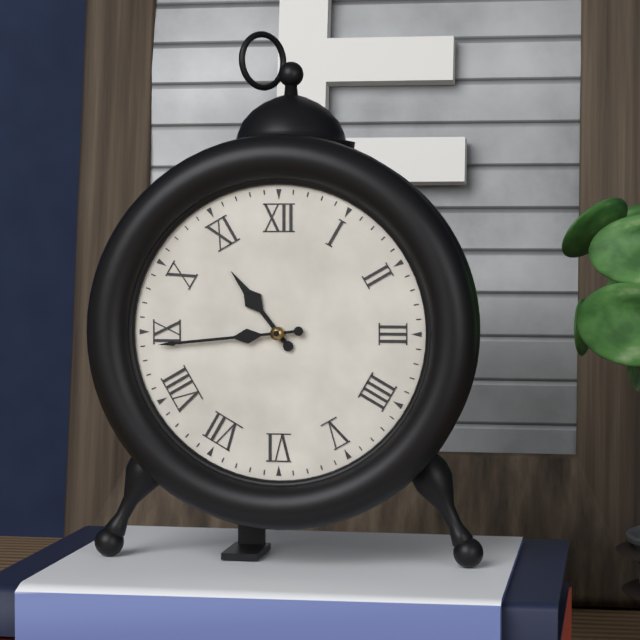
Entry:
10.44
